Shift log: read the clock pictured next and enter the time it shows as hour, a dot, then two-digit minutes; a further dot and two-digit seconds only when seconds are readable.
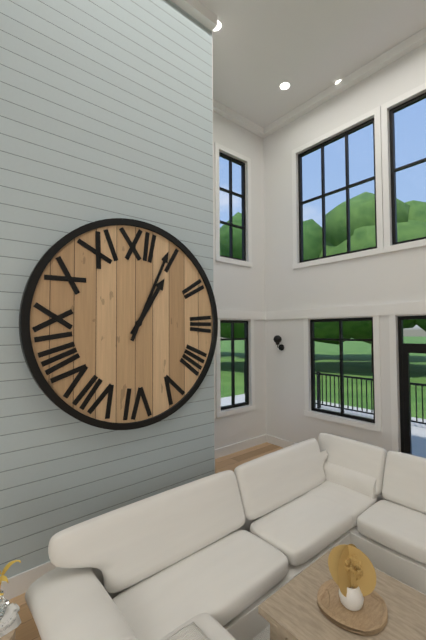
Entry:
1.04
